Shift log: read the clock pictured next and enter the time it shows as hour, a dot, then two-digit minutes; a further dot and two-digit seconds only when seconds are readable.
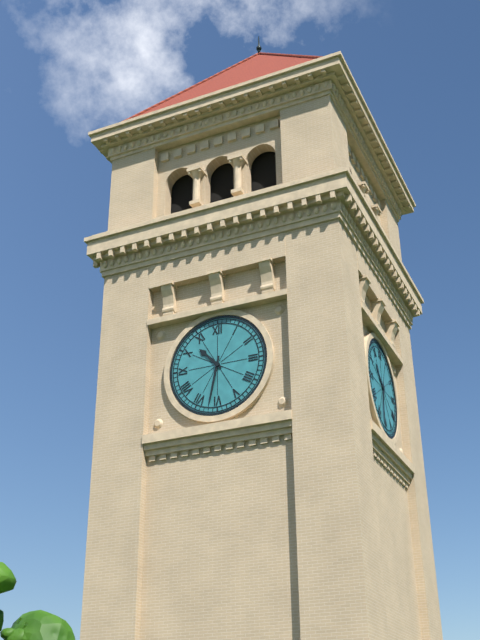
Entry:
10.32
